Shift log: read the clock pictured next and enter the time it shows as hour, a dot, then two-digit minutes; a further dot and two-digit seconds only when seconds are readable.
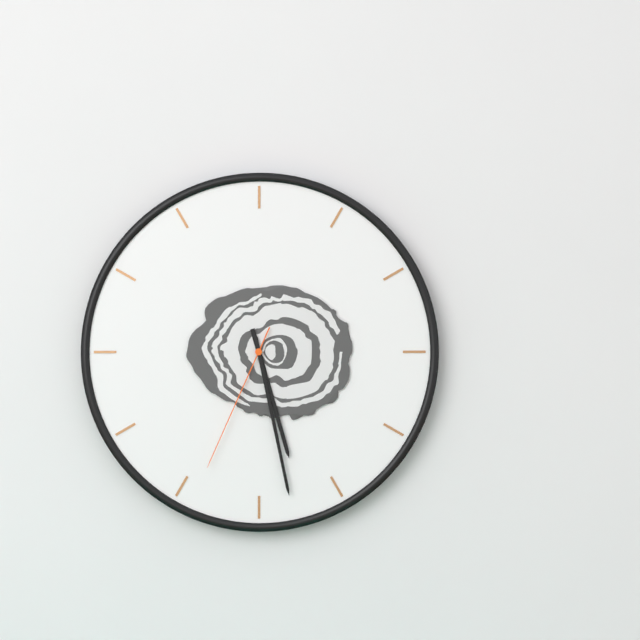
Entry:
5.28.34
